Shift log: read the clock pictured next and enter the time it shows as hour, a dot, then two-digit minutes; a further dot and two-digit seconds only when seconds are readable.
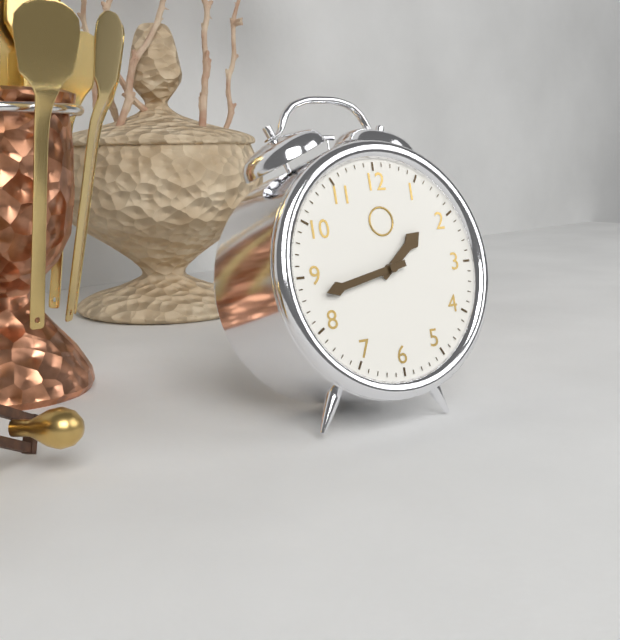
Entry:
1.43
